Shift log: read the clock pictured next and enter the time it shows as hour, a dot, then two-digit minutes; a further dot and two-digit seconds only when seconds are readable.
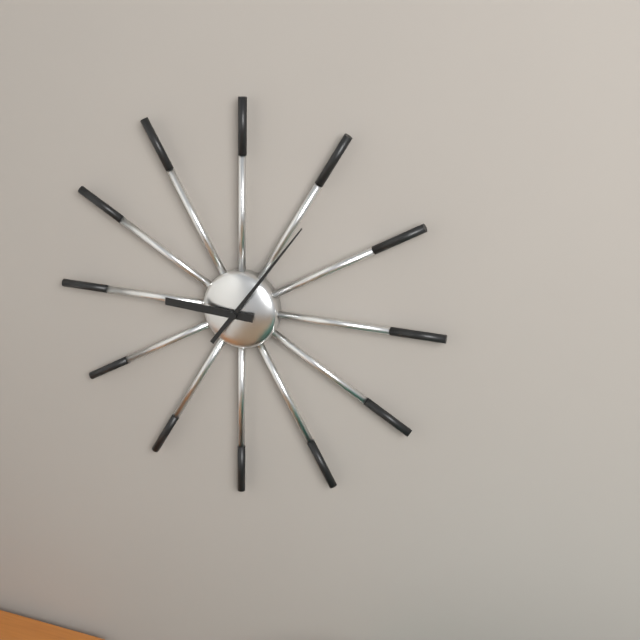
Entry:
9.06
